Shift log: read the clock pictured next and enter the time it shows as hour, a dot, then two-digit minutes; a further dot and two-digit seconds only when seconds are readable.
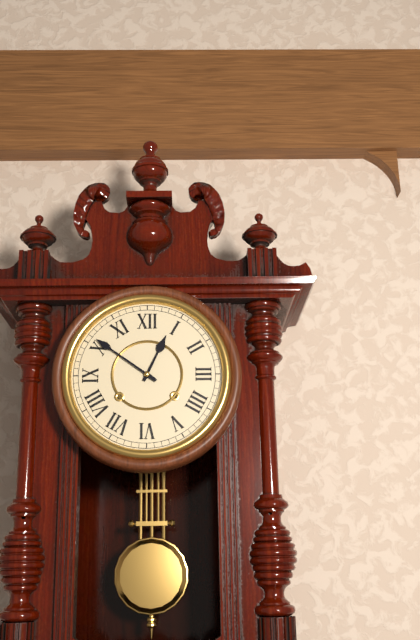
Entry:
12.51
